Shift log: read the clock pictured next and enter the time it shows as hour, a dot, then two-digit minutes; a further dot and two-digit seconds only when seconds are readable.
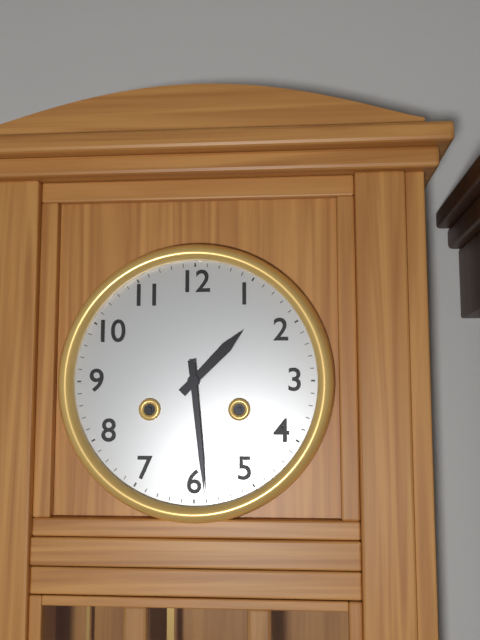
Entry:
1.29
